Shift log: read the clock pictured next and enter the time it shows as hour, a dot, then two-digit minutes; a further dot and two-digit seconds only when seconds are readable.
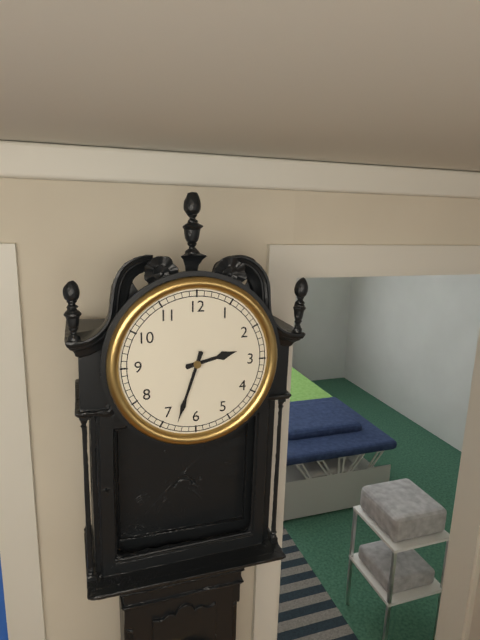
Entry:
2.33
